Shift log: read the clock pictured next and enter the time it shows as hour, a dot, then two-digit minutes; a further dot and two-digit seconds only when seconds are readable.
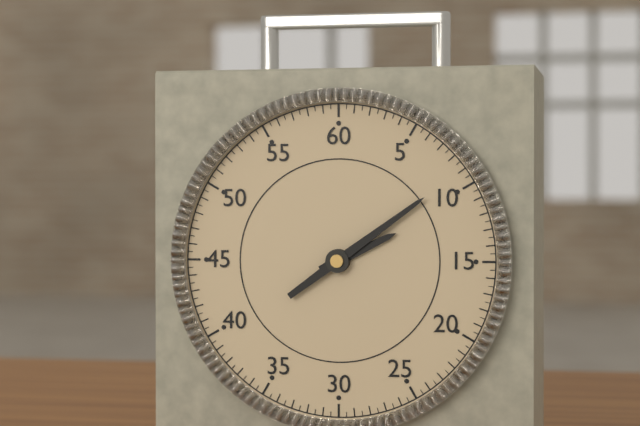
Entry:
2.09
